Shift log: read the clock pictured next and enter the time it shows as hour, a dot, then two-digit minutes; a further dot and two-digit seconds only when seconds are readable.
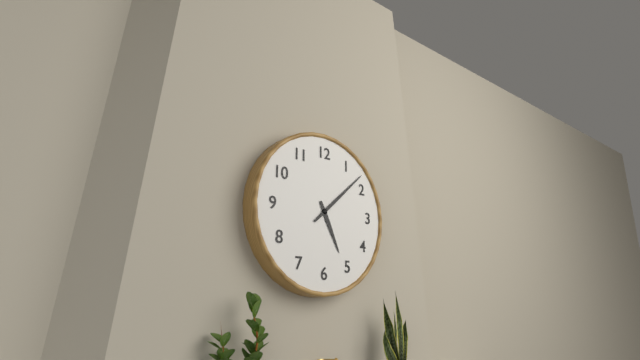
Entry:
5.08
